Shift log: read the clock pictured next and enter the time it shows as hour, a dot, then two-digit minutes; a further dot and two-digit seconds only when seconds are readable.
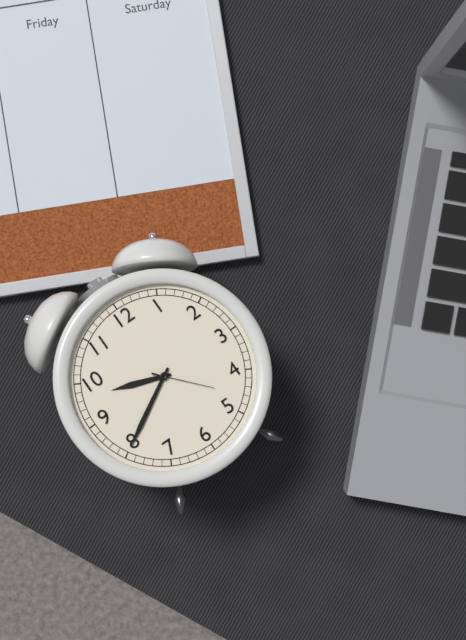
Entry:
9.40.23
